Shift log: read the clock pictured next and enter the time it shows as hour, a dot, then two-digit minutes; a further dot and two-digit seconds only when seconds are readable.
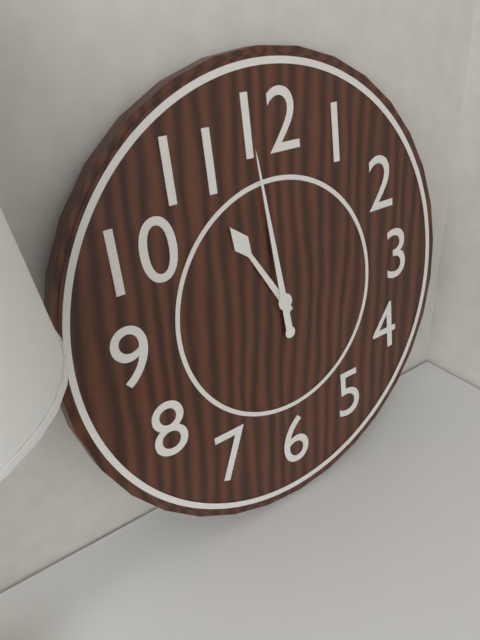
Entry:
10.59
